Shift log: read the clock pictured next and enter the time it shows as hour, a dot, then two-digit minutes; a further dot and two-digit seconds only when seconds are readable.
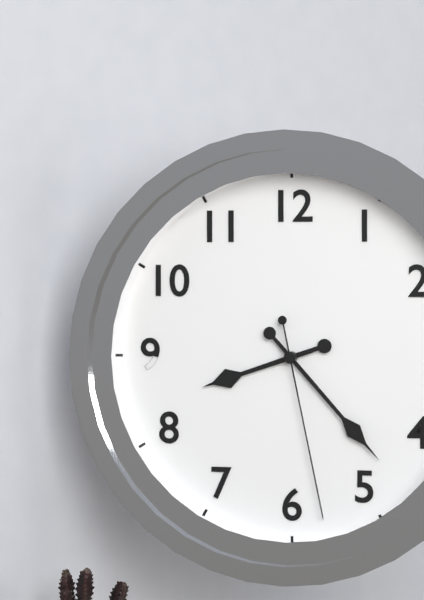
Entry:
8.23.28
